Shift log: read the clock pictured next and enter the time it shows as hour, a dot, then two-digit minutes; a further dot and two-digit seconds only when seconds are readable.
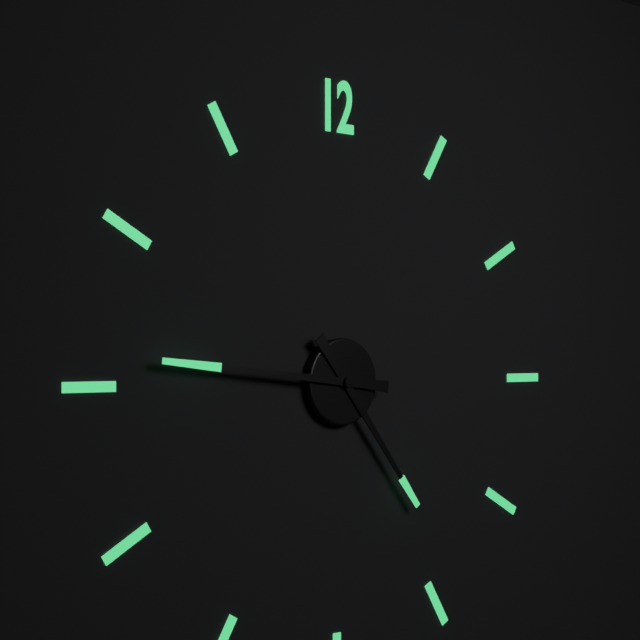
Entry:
4.46
